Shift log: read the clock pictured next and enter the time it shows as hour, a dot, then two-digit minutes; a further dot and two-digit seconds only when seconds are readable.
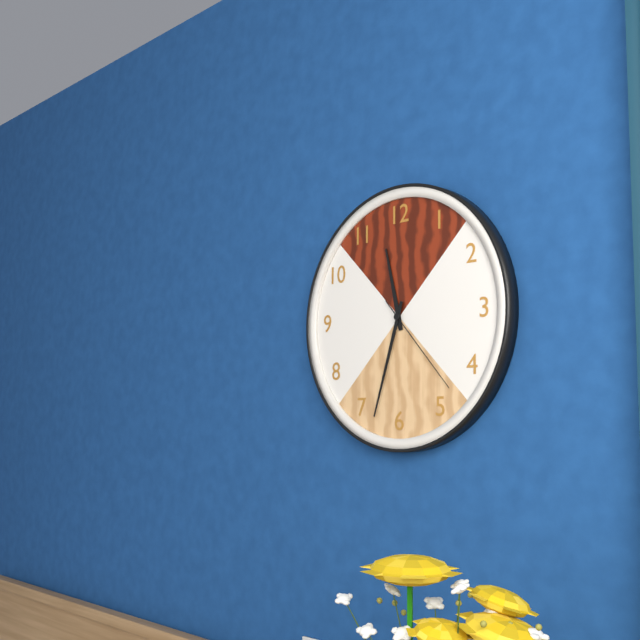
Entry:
11.33.23
